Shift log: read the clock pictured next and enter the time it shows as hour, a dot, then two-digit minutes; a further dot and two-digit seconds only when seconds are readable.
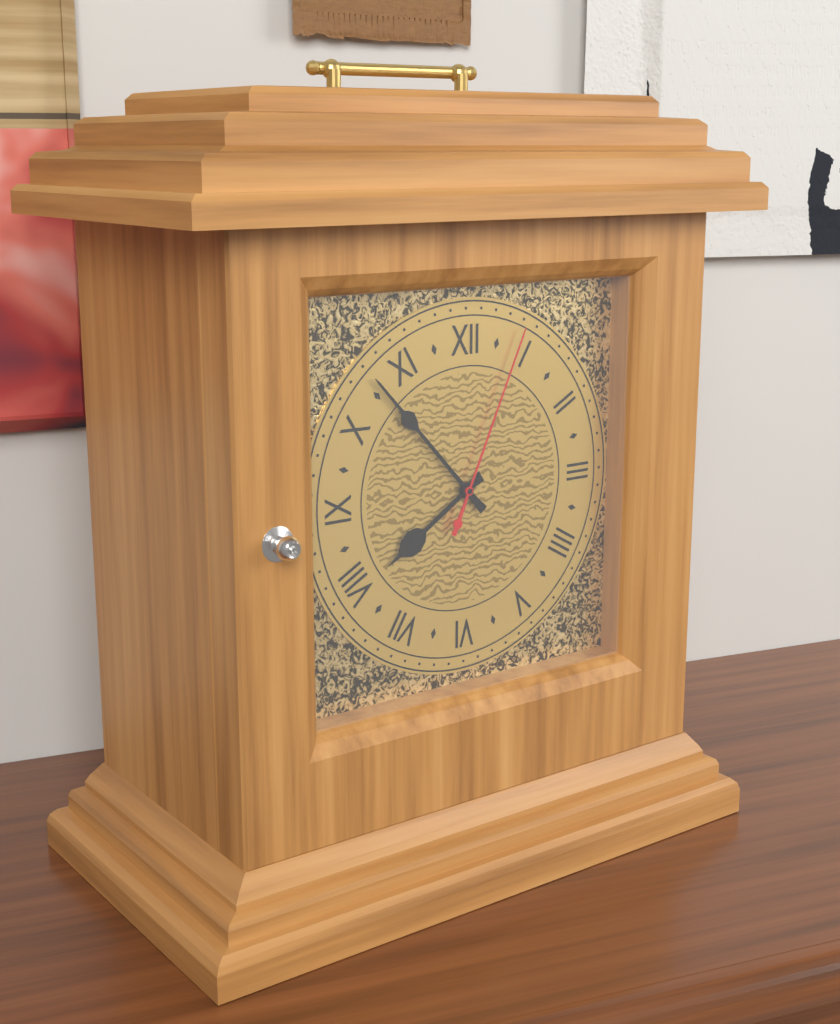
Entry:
7.53.04
